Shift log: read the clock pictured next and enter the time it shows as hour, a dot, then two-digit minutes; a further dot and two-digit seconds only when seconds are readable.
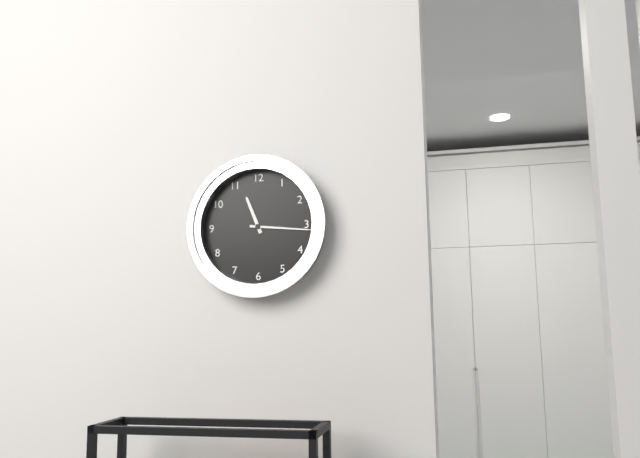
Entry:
11.16
